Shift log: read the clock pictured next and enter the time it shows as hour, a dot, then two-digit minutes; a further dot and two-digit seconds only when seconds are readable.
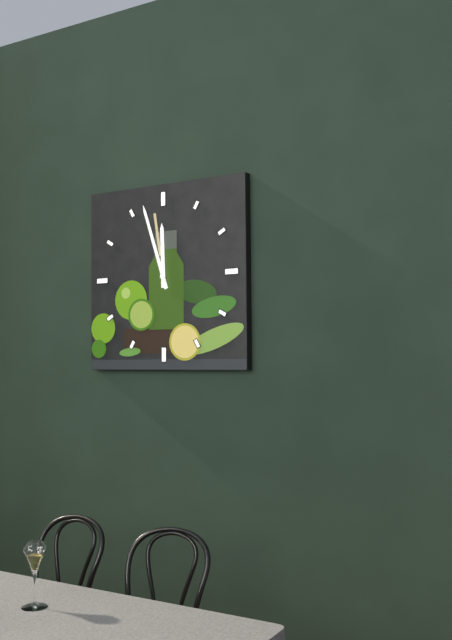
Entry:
11.57
